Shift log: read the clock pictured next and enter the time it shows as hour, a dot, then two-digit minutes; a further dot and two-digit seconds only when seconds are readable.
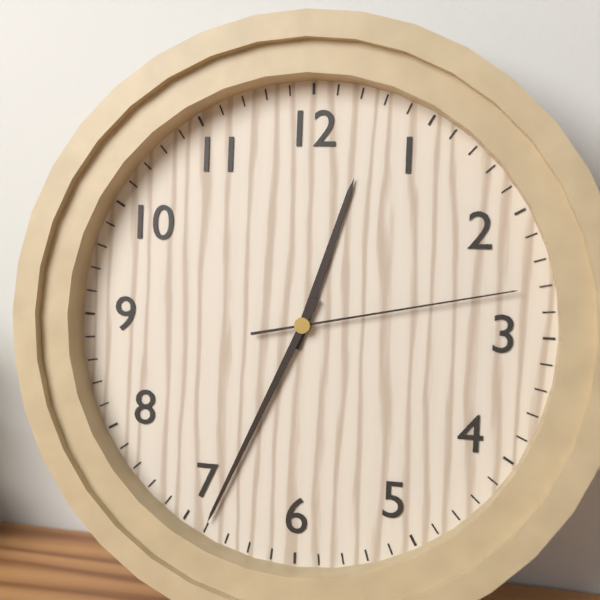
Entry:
12.34.13
